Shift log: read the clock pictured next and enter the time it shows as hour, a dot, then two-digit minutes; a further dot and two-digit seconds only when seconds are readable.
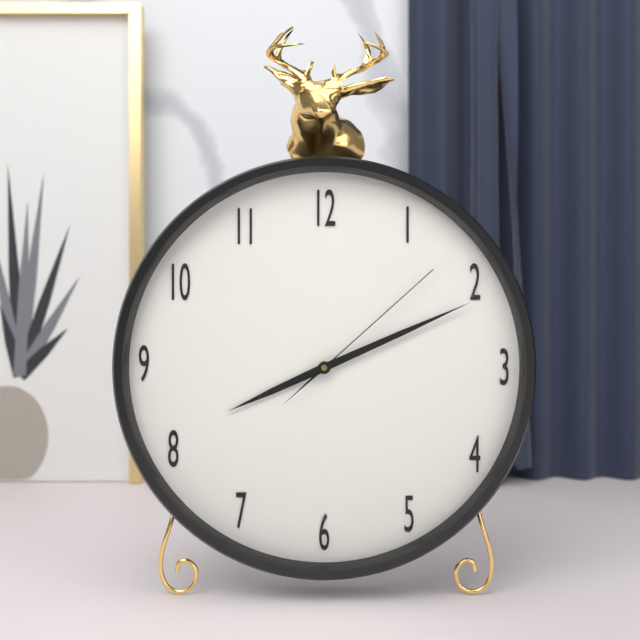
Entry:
8.11.08
